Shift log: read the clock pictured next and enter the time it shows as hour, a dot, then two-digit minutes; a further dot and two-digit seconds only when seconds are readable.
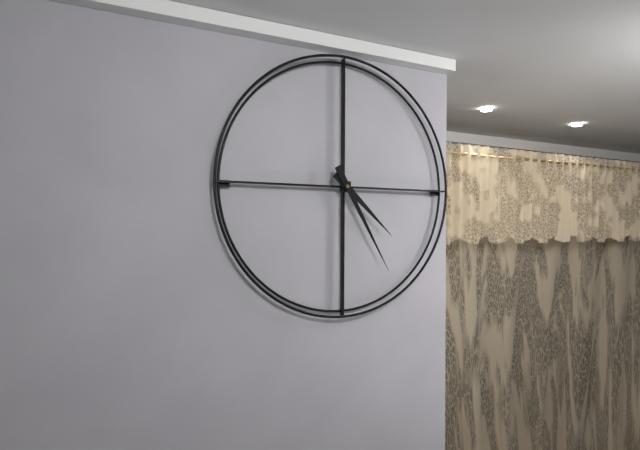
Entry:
4.25
